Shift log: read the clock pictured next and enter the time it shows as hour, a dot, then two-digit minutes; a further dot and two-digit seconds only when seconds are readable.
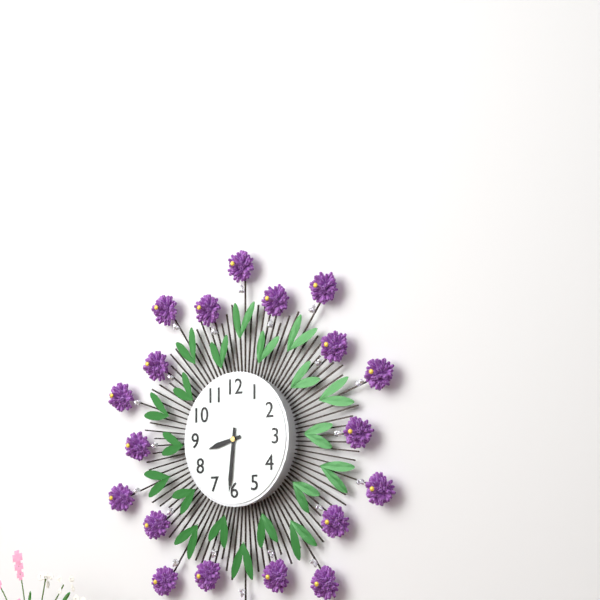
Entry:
8.31
